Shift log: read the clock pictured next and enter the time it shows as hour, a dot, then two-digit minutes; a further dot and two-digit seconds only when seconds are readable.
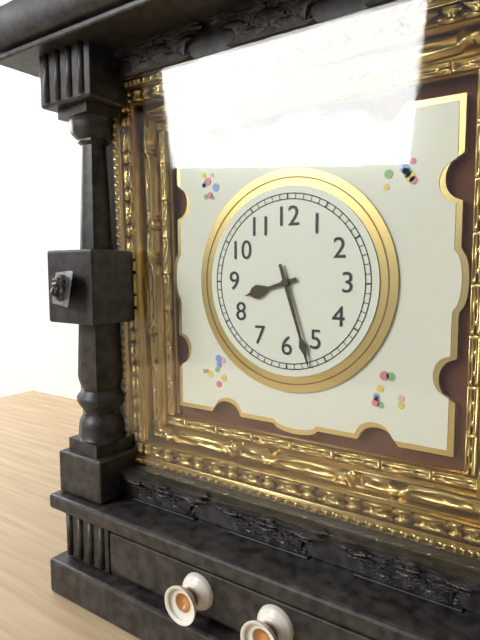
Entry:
8.27
